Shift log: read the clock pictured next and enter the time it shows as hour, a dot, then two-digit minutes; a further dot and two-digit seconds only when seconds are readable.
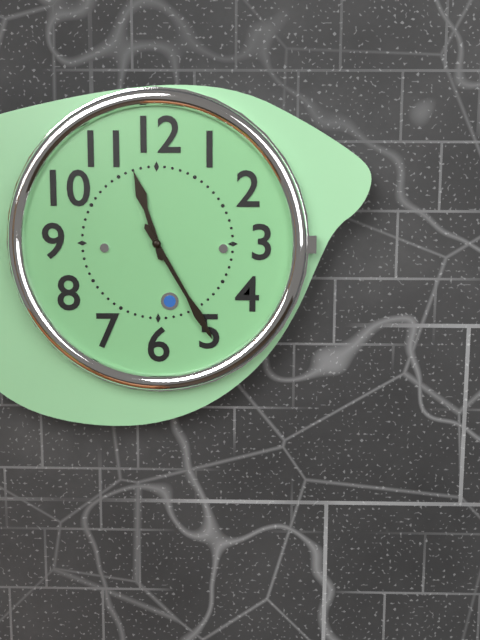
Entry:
11.25
